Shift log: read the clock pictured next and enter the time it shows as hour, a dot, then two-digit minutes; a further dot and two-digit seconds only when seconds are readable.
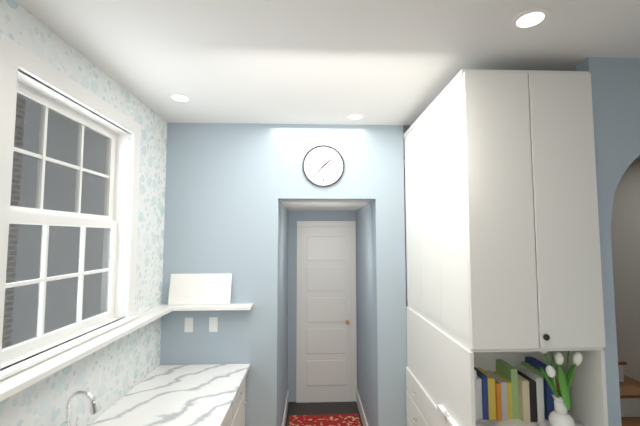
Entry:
1.37
